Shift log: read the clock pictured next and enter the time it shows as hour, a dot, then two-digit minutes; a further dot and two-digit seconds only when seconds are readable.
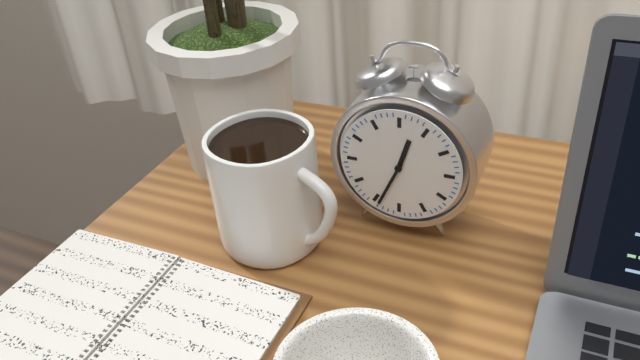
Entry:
12.34
